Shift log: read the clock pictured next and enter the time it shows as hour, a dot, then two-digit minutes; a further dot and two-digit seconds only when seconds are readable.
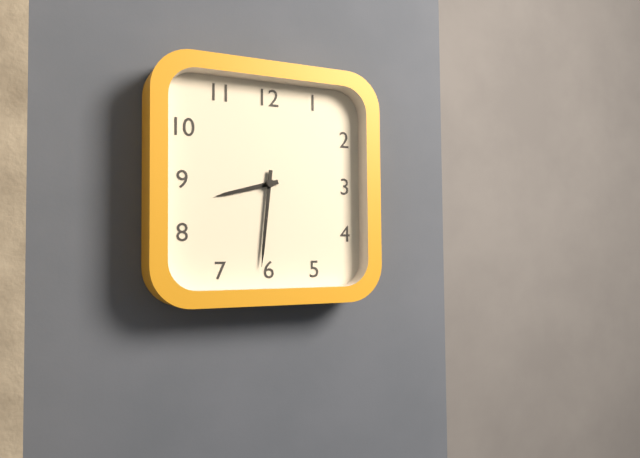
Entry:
8.31
